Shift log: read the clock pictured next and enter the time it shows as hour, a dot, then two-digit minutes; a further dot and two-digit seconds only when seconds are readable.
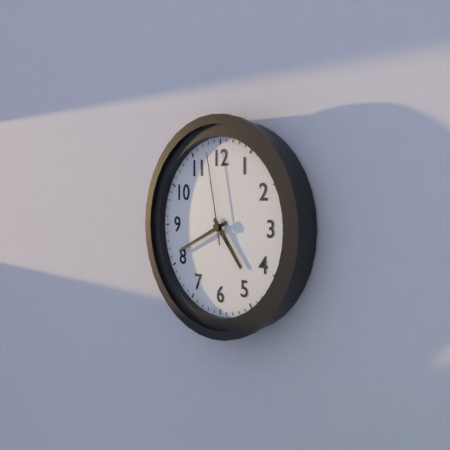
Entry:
4.41.58
